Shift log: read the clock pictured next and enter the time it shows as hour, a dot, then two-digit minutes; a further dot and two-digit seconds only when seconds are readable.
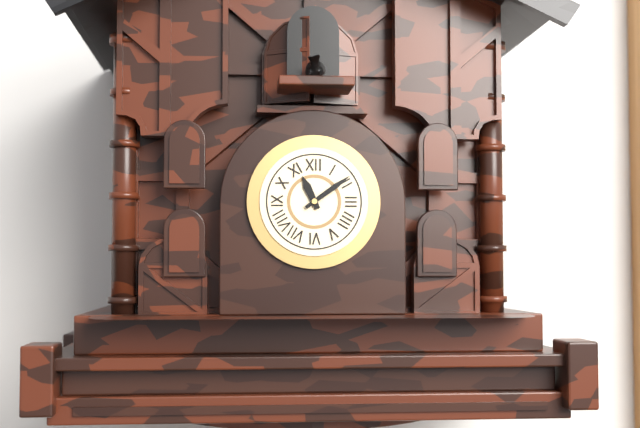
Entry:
11.09
